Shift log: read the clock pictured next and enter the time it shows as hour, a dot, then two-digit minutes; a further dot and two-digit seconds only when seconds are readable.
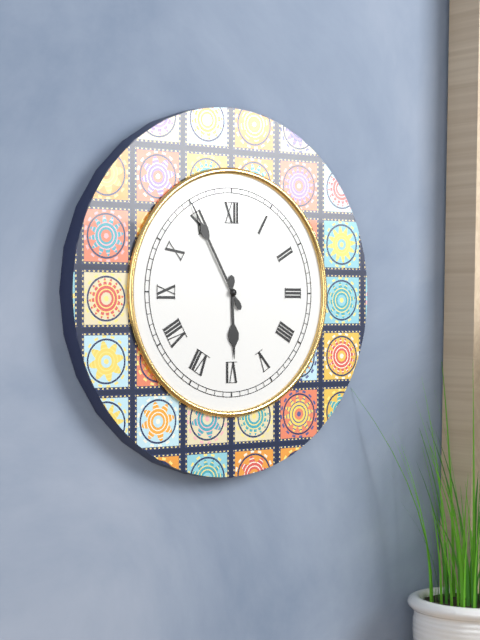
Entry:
5.55
